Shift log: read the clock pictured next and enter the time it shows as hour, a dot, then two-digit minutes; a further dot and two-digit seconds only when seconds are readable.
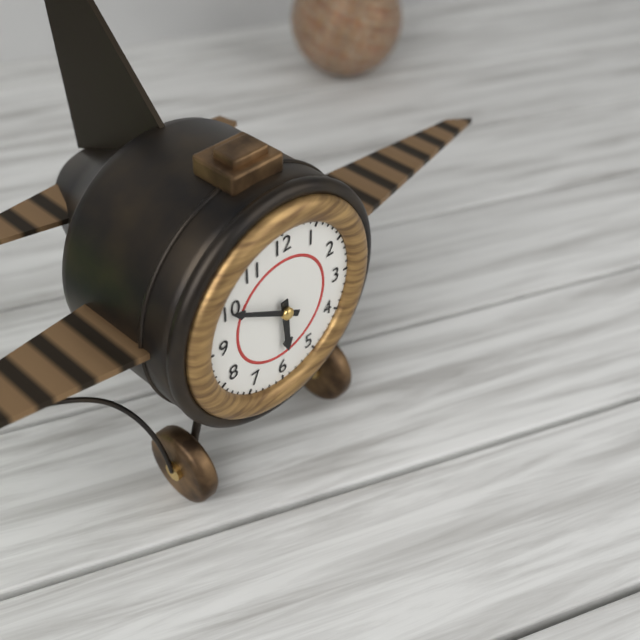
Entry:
5.50
